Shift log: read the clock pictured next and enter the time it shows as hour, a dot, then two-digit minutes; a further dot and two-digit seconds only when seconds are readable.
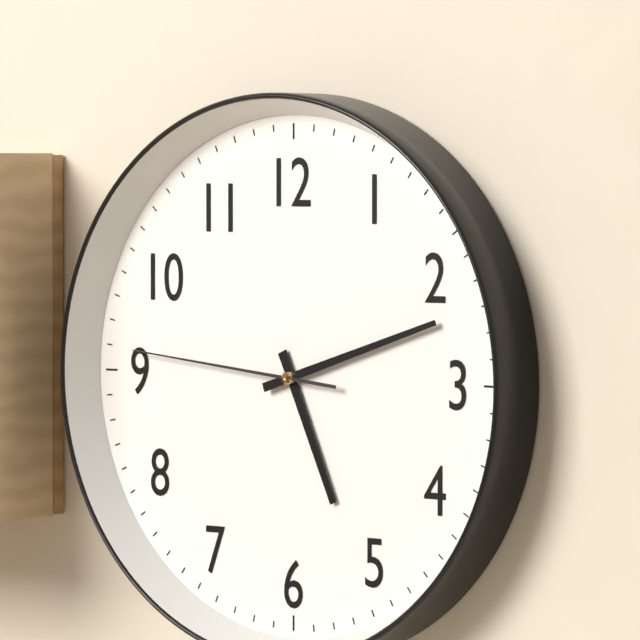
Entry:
5.12.46
